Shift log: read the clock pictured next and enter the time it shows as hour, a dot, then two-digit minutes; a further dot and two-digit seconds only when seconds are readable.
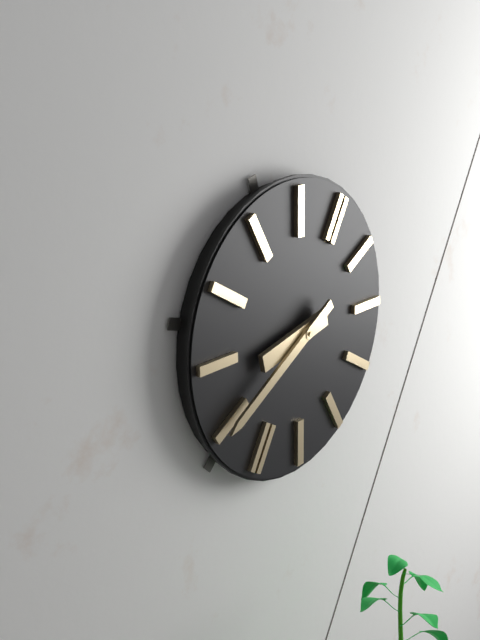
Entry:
7.35
